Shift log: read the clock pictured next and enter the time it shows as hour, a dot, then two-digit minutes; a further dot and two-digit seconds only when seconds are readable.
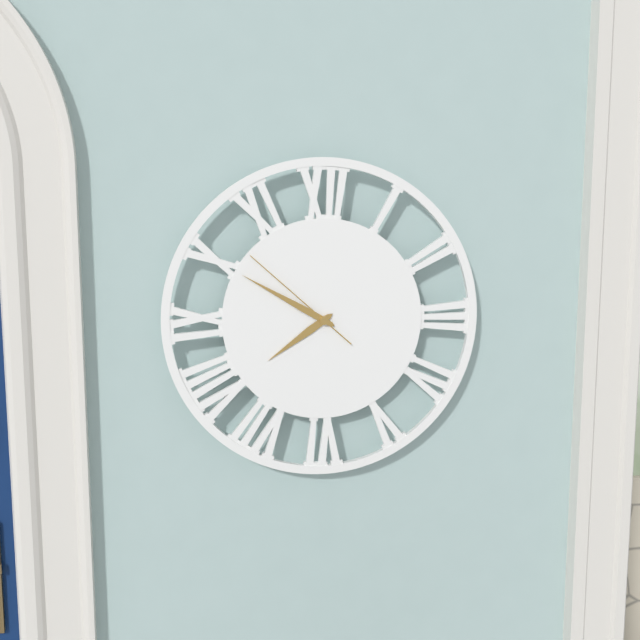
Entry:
7.50.52
